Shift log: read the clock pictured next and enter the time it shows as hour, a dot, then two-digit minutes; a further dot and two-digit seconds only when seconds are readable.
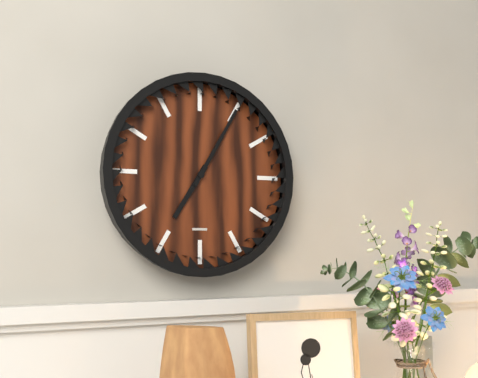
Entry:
7.05
